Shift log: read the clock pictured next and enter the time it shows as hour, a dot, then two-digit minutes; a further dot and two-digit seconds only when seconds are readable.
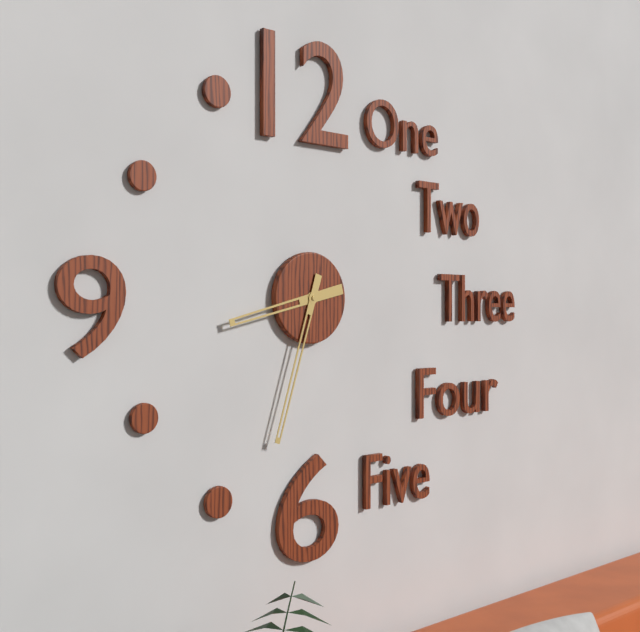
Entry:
8.33
